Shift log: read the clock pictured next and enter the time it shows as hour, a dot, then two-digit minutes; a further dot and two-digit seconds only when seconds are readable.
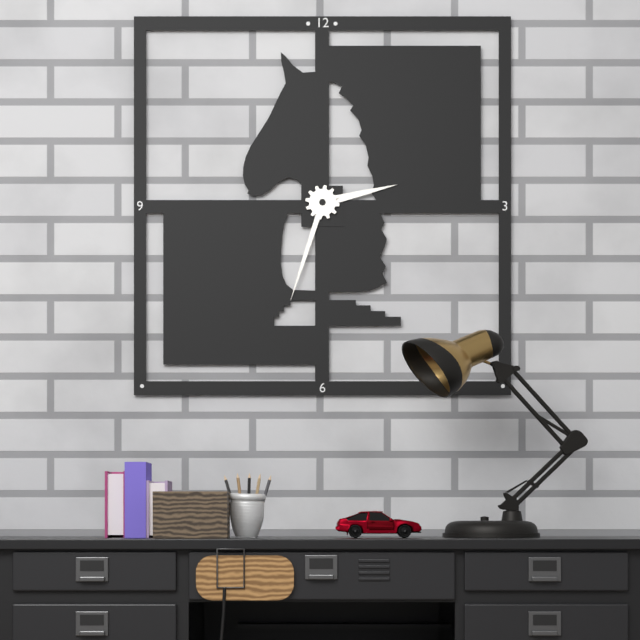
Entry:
2.33
